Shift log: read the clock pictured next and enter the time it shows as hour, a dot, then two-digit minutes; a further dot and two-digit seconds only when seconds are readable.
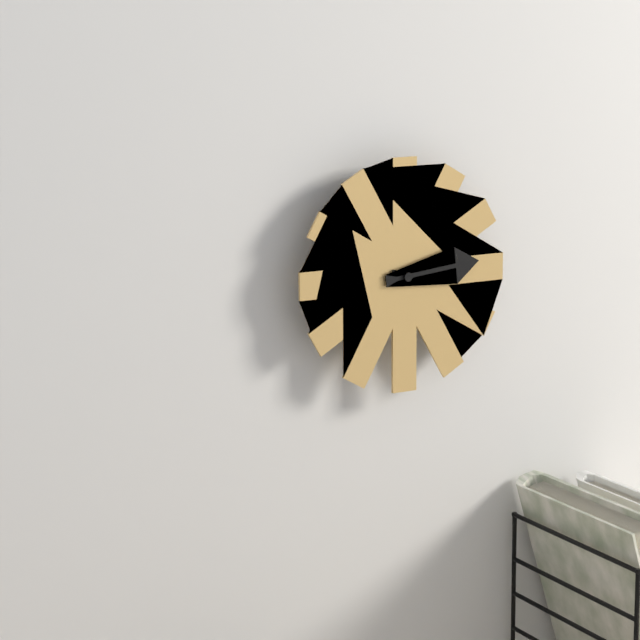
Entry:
3.14
